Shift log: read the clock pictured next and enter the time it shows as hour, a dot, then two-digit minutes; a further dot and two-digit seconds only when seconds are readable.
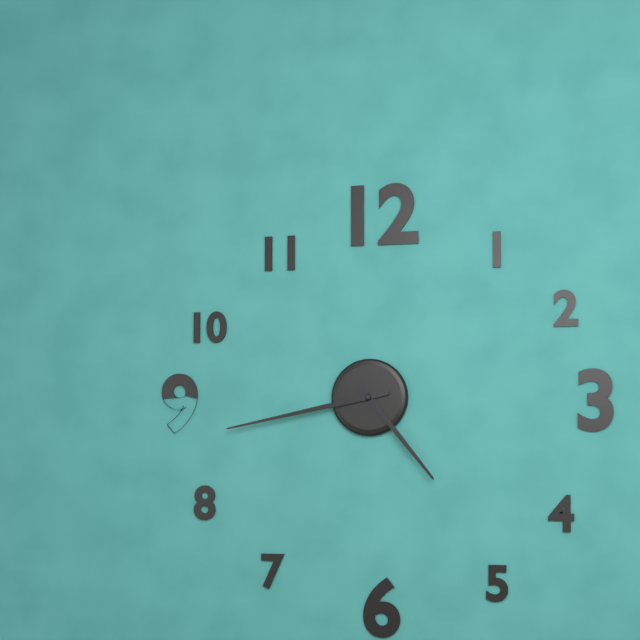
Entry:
4.43
